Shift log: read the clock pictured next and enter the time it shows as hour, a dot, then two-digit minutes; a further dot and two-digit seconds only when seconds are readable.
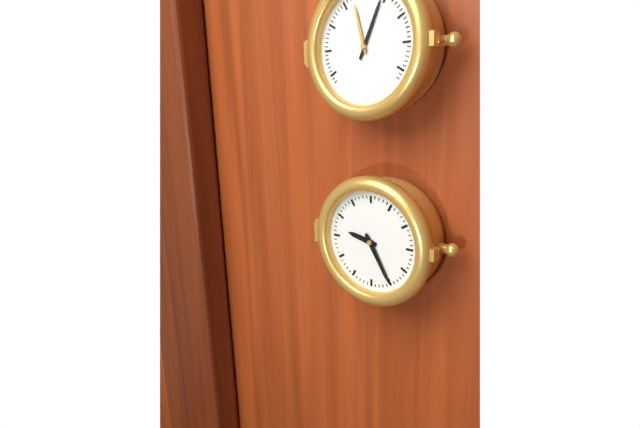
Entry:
9.25
